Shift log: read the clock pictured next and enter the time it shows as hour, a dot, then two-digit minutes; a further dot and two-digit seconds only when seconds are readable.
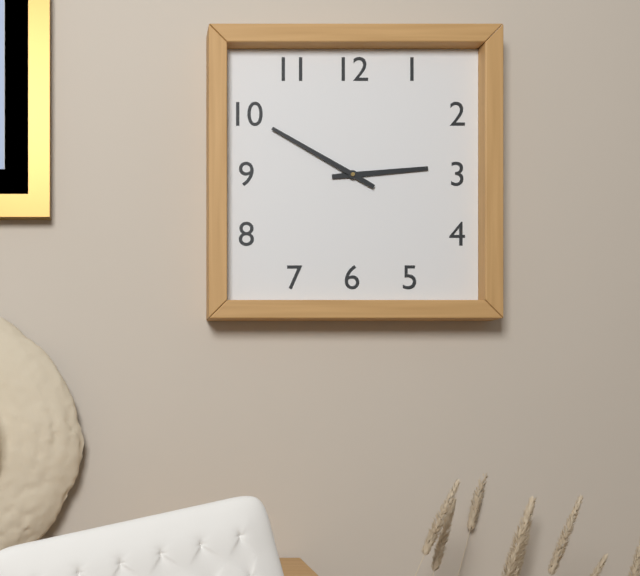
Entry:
2.50
